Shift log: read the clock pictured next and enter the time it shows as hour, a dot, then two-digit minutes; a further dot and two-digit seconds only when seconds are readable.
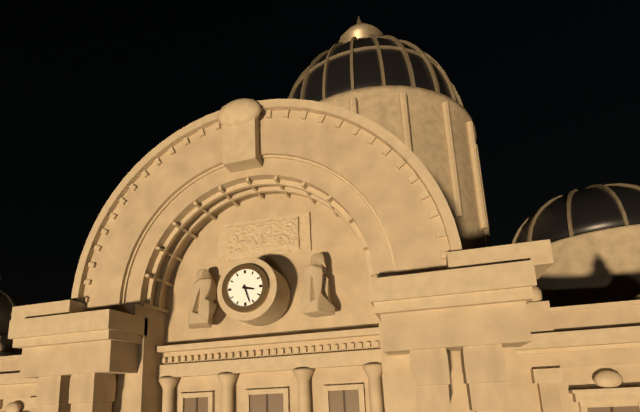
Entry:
3.27
